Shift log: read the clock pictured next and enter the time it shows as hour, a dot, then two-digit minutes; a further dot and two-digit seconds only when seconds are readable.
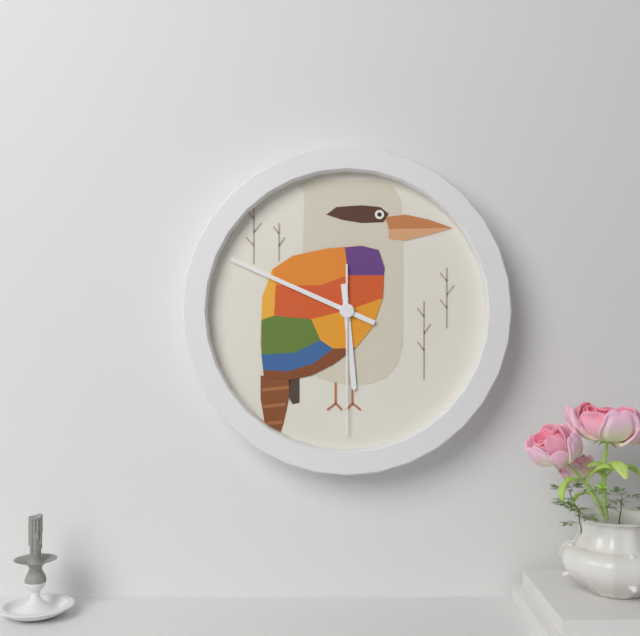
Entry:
5.49.30
